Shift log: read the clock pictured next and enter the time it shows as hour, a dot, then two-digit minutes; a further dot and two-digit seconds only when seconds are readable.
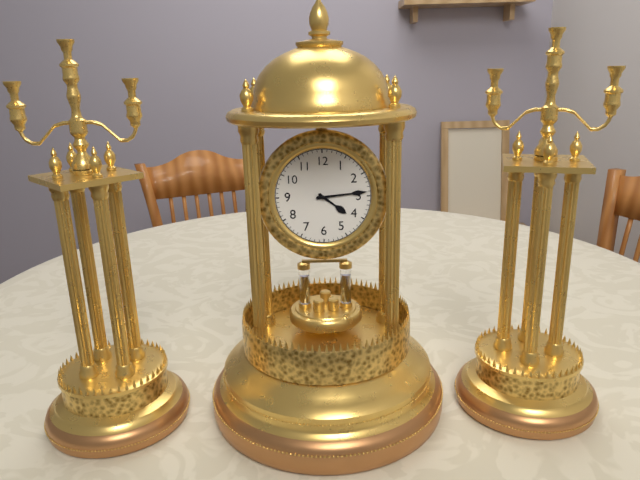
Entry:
4.14
